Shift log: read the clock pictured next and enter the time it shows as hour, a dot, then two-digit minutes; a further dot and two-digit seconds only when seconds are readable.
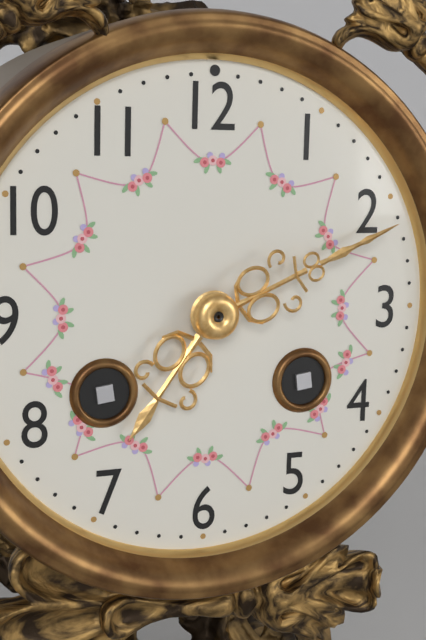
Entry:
7.11
